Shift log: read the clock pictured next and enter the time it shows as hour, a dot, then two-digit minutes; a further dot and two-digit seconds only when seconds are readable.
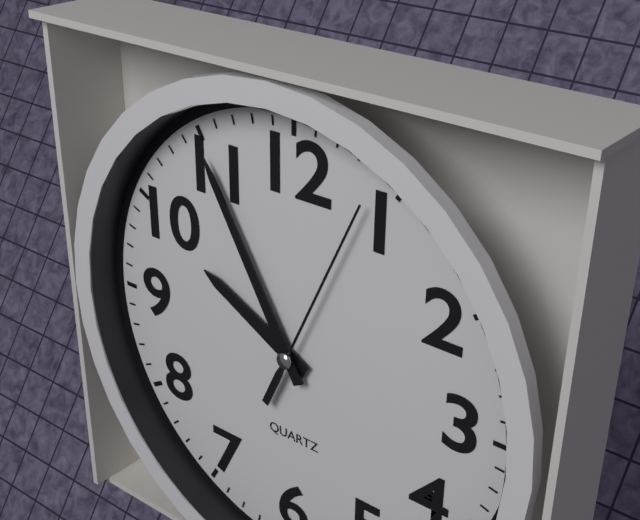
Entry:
9.55.04
